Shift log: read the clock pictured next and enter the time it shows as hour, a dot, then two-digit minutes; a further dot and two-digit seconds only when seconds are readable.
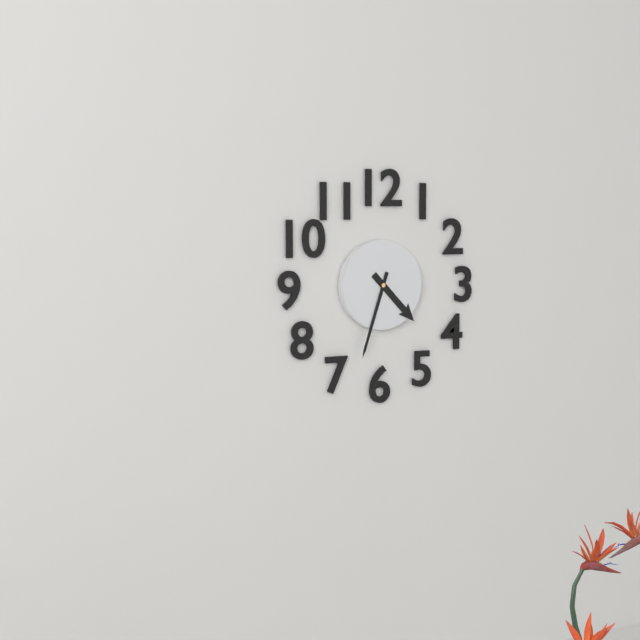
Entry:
4.33
